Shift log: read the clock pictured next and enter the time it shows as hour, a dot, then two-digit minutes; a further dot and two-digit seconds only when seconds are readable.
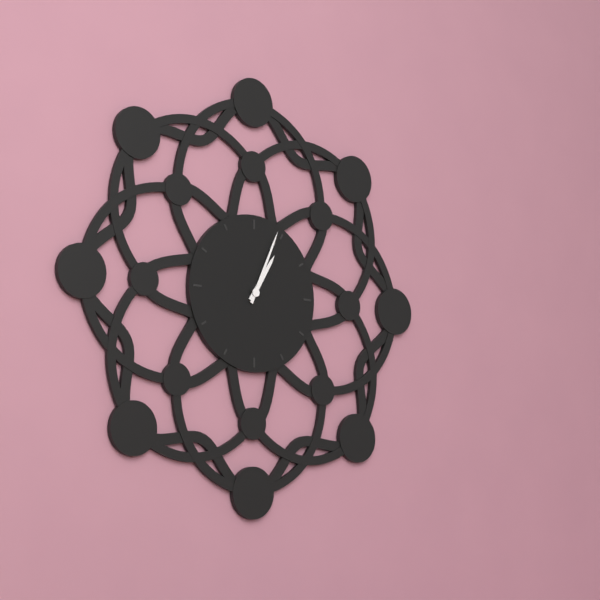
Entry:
1.04
